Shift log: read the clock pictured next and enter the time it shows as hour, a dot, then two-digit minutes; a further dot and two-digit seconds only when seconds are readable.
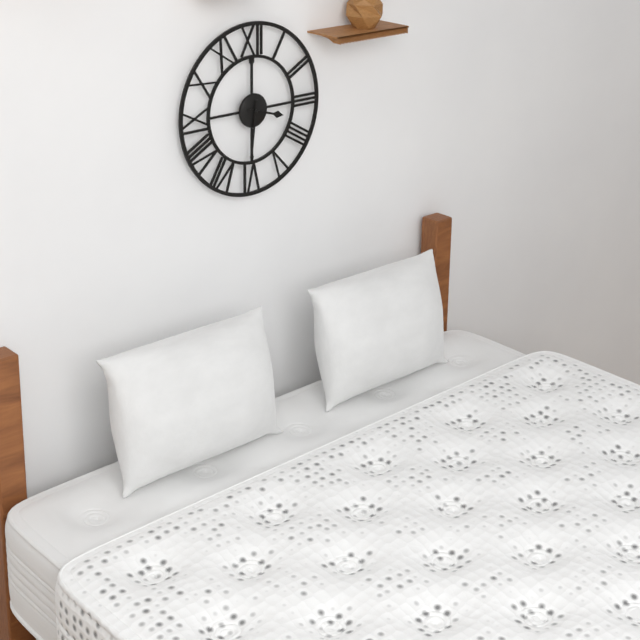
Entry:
3.31
